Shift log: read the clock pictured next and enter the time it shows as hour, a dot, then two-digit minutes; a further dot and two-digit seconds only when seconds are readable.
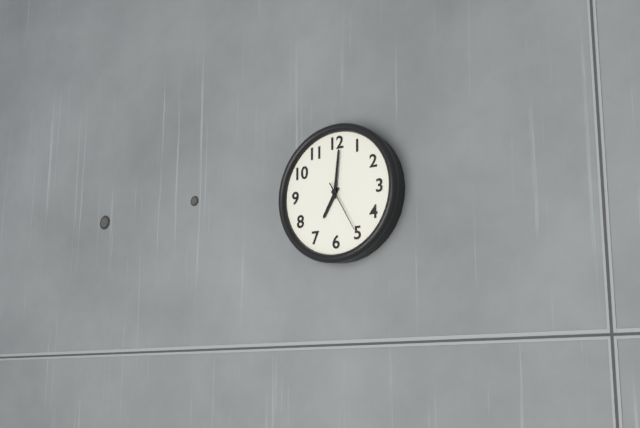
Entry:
7.01.25
